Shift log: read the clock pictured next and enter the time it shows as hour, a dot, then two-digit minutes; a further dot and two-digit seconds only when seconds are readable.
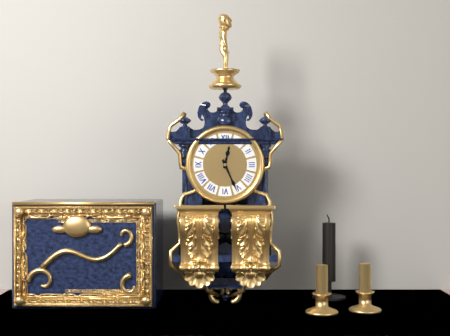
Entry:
12.26
